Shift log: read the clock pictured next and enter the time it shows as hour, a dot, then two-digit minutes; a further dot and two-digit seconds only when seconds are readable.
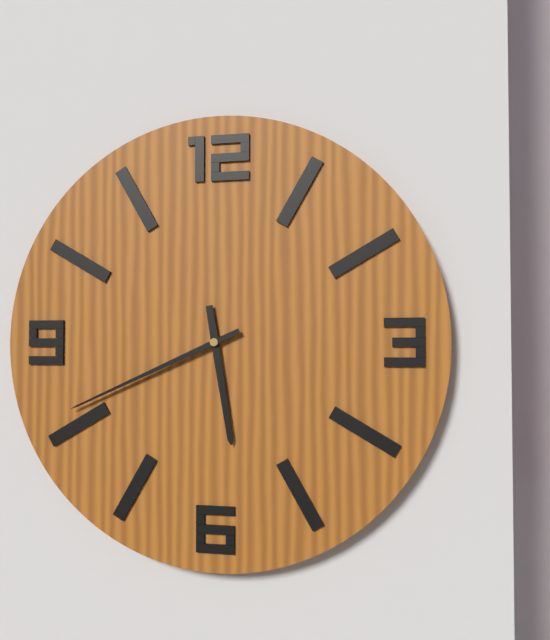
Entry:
5.41
